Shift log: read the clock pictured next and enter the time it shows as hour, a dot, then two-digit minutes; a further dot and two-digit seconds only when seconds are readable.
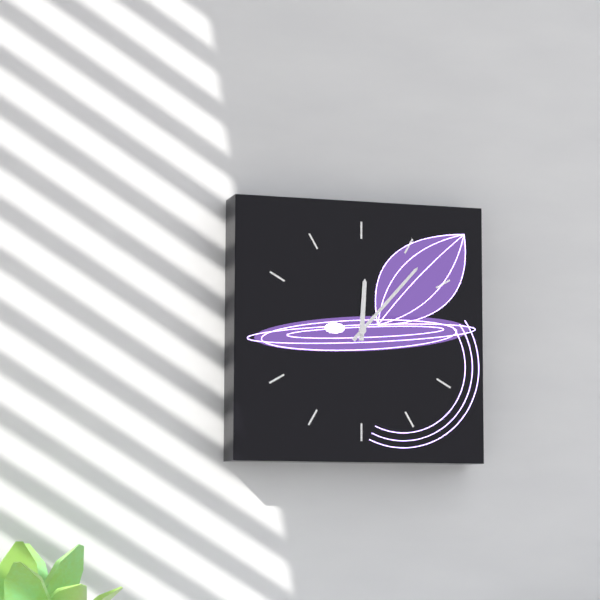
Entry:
12.07
